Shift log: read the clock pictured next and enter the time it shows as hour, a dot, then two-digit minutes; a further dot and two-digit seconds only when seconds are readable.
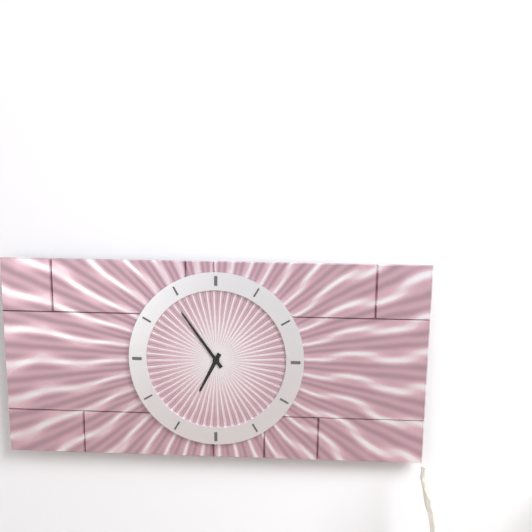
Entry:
6.54
